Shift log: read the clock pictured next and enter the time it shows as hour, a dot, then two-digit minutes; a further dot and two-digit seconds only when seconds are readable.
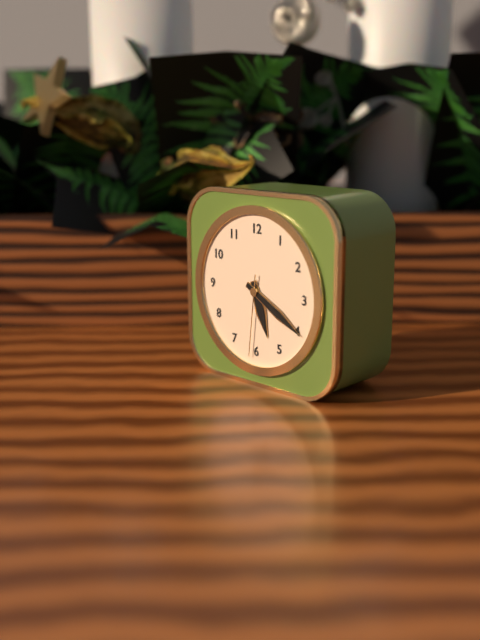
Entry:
5.20.31
